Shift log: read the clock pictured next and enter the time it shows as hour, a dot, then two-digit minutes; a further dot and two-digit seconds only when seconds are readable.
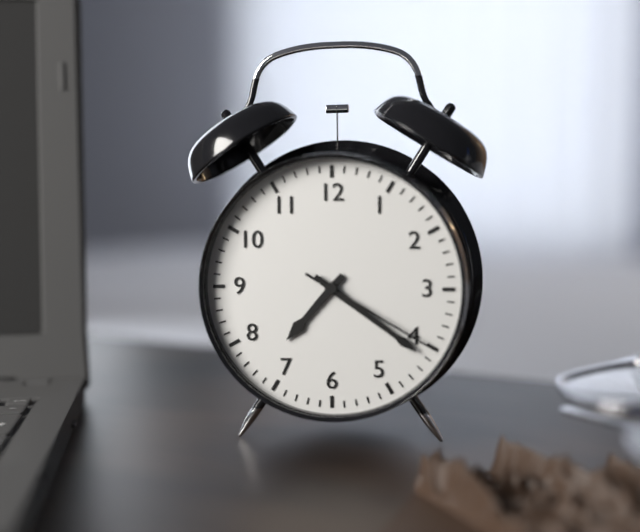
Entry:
7.21.20
